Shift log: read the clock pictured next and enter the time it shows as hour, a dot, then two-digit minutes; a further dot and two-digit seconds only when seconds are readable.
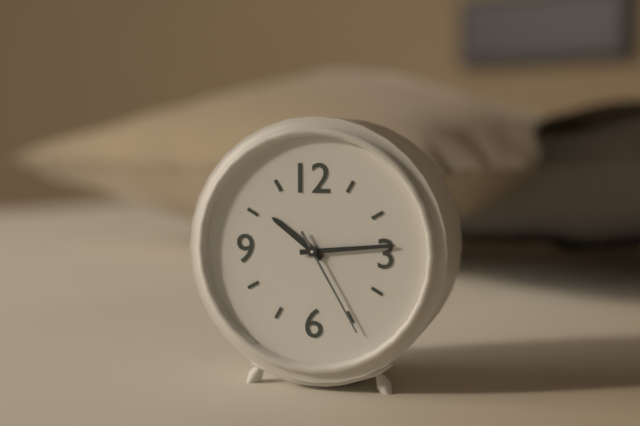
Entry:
10.14.25
